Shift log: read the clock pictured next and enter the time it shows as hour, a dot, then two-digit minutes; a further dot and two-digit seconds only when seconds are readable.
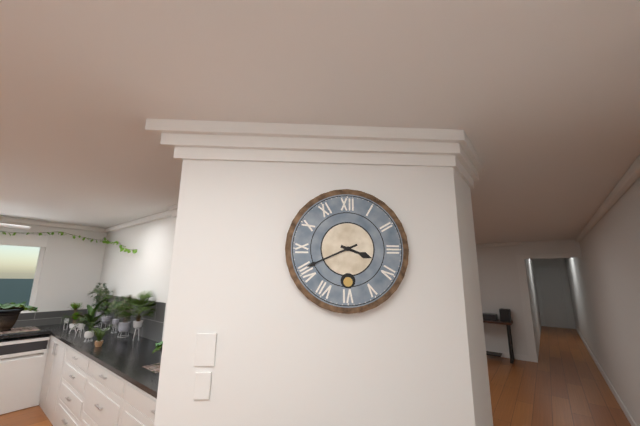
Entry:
3.41
